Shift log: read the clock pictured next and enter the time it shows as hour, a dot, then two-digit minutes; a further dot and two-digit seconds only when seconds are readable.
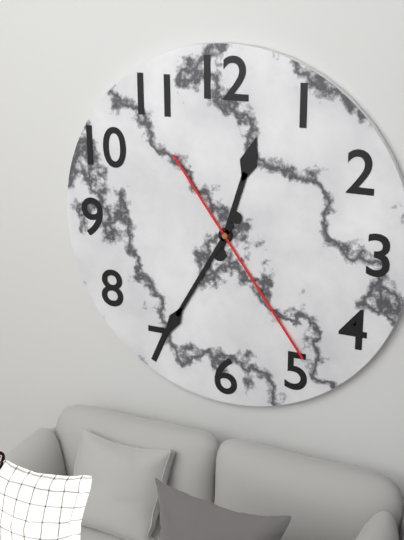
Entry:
12.35.24
